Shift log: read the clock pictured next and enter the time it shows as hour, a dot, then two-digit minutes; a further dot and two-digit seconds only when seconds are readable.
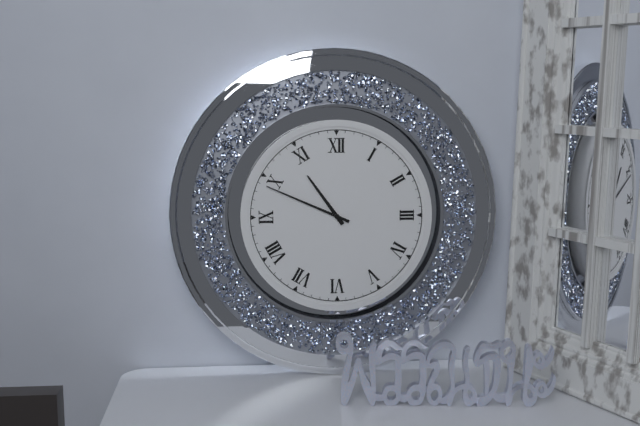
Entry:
10.49
